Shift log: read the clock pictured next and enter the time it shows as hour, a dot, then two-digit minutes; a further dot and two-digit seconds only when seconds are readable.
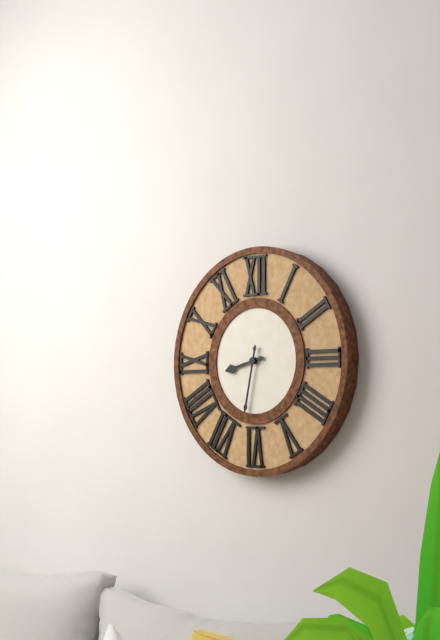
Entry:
8.32
